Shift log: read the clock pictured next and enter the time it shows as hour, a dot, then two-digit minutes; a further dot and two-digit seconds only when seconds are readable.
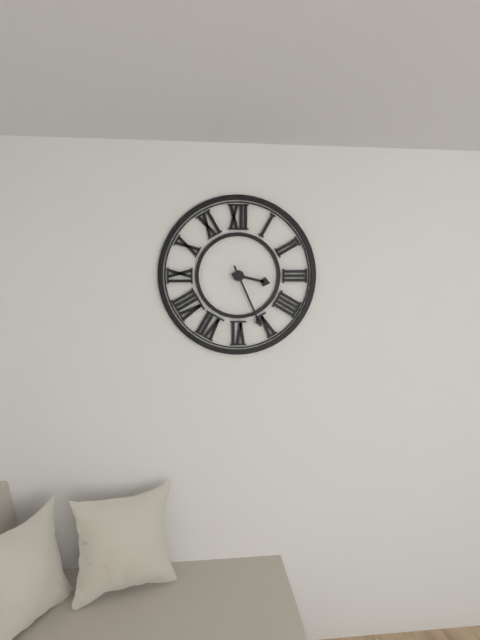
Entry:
3.26
